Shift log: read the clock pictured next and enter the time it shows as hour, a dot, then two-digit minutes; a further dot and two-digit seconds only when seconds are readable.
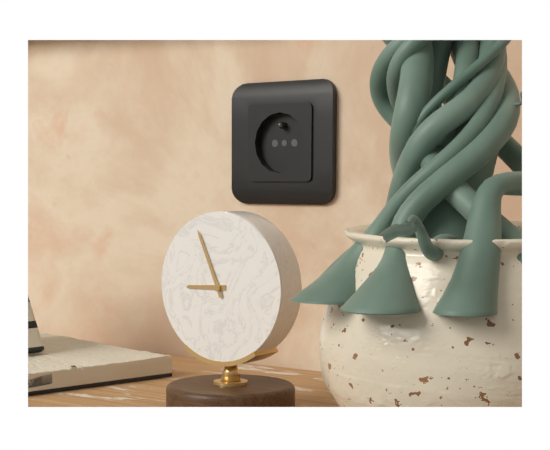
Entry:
8.56
